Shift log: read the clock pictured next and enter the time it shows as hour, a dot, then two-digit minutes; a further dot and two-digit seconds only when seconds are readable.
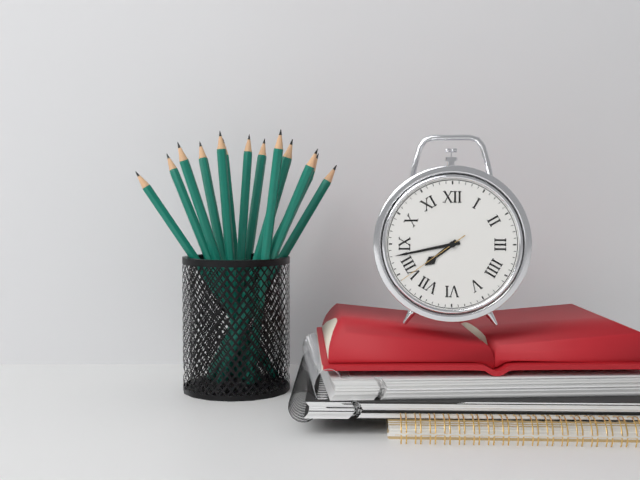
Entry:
7.43.39
